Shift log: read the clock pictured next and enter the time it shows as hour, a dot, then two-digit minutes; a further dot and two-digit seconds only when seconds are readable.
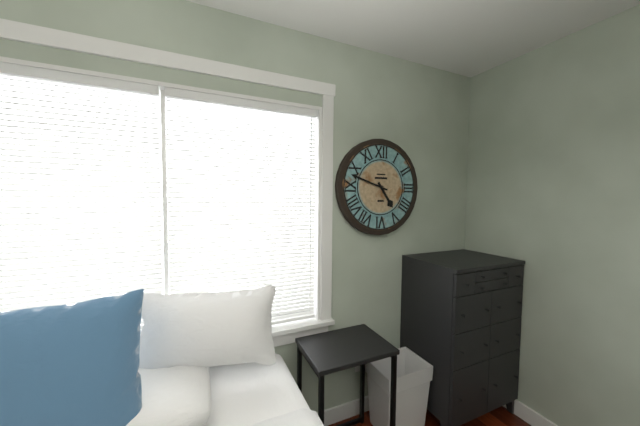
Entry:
4.48
